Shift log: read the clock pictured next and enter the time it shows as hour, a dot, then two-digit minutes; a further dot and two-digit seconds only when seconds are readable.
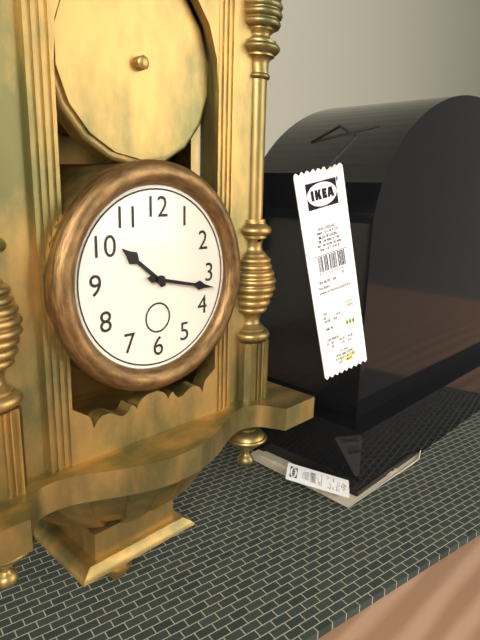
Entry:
10.17
